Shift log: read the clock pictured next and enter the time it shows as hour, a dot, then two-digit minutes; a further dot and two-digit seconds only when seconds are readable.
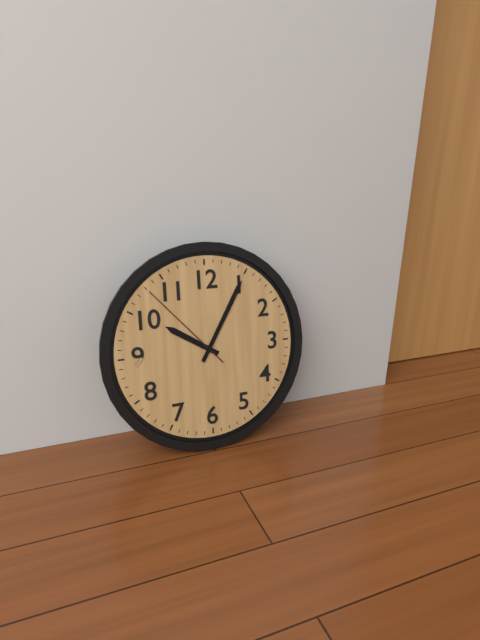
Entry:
10.05.53
